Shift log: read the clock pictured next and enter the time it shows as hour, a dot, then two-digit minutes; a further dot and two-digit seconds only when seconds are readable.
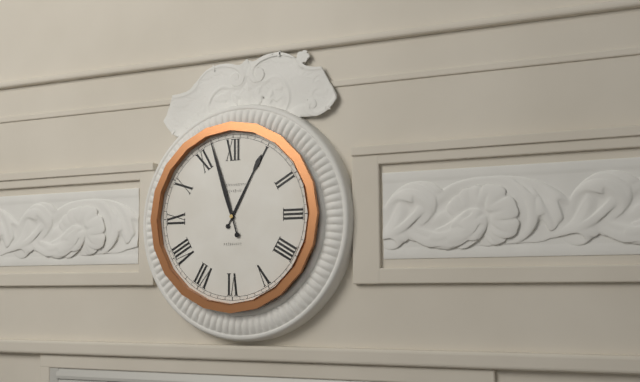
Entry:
12.57
